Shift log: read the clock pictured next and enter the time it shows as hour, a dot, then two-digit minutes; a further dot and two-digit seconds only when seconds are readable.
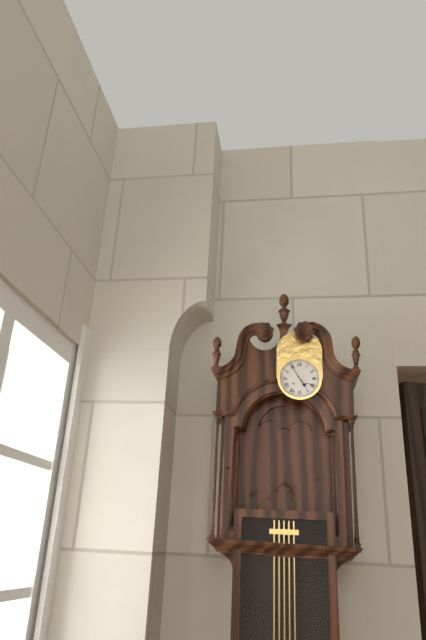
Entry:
4.55
